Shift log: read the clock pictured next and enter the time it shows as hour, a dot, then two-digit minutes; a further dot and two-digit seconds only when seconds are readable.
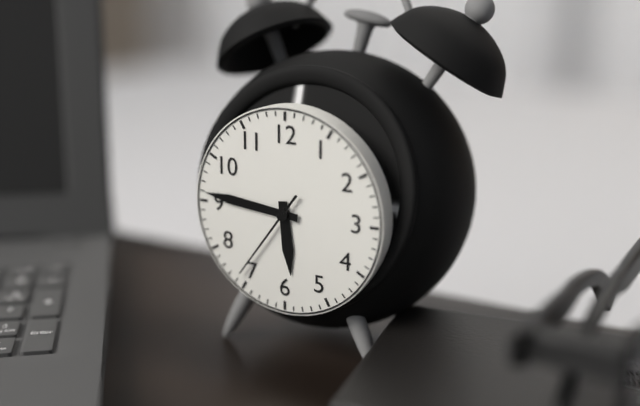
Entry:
5.46.36
